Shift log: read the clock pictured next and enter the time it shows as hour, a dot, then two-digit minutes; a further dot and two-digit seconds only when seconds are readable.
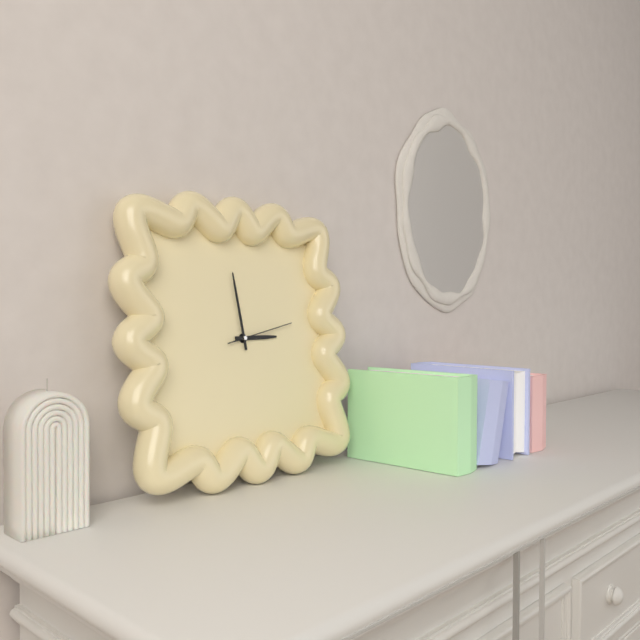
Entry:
2.59.13
